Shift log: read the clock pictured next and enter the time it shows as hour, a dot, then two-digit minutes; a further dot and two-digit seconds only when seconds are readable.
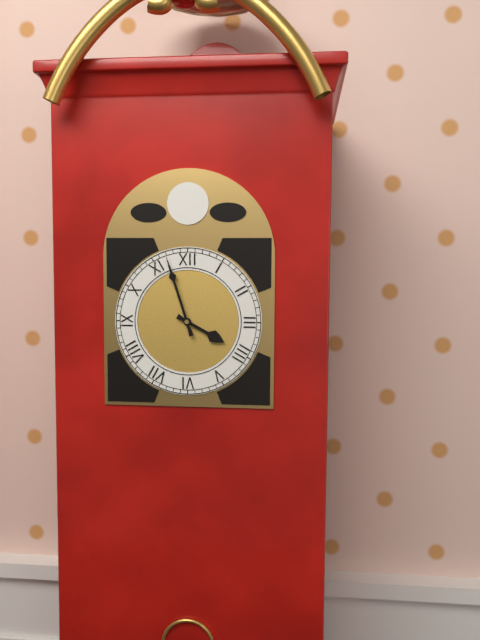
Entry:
3.57
